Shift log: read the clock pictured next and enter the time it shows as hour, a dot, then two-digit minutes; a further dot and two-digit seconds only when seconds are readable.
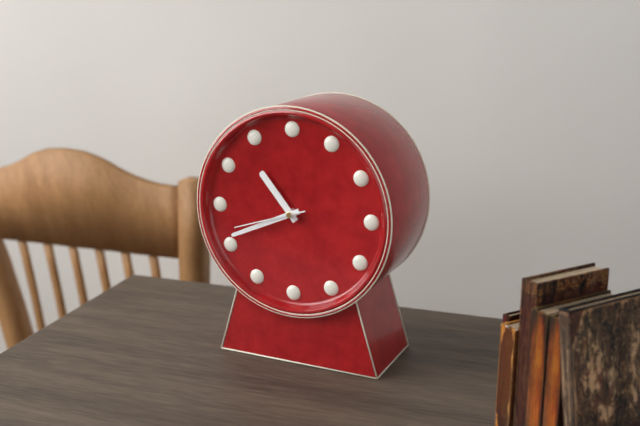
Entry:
10.41.42
